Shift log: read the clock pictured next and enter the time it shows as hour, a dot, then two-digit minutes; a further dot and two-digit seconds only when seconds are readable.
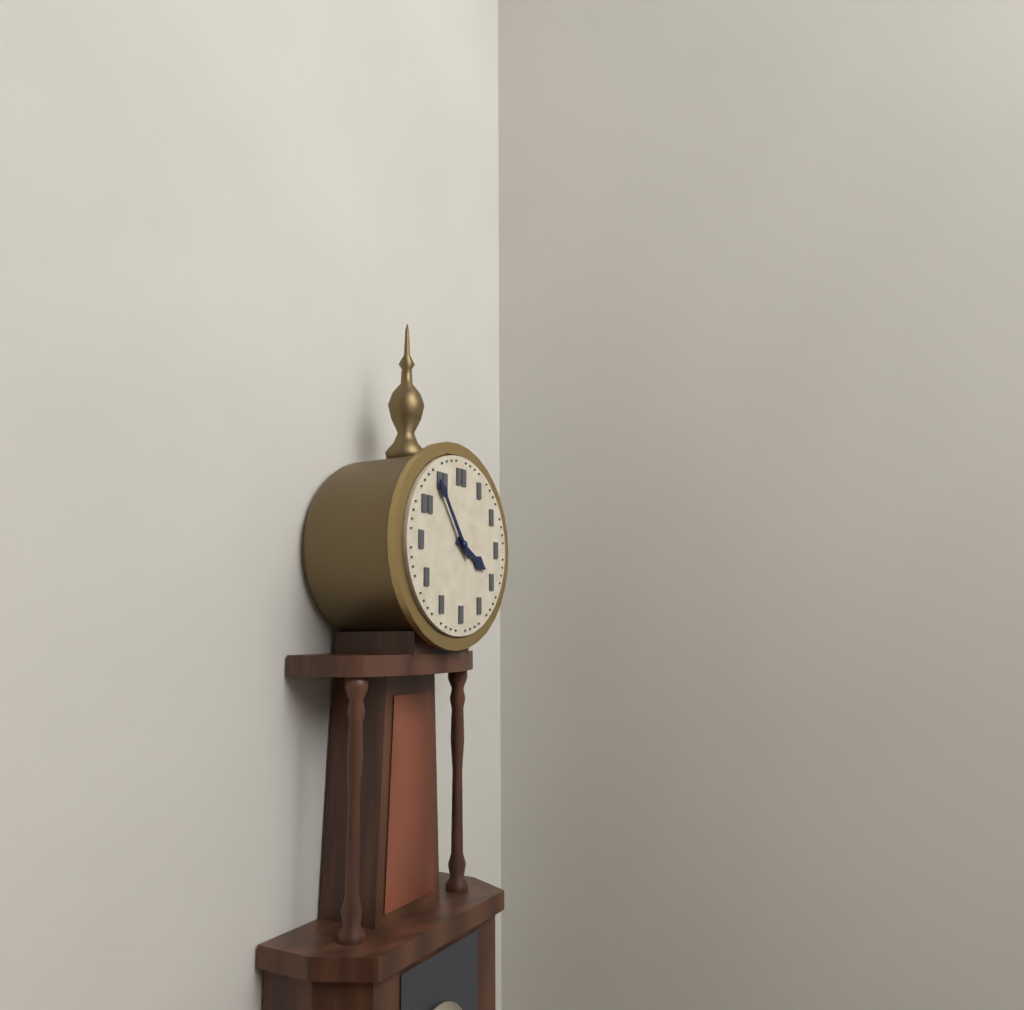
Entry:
3.54
